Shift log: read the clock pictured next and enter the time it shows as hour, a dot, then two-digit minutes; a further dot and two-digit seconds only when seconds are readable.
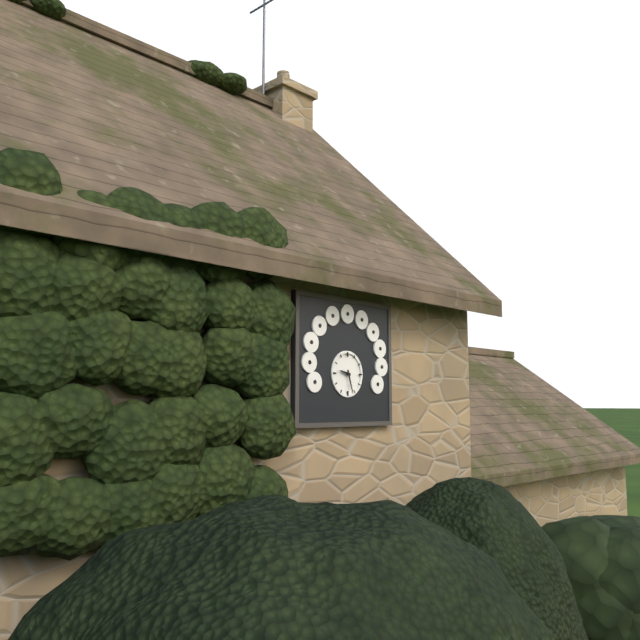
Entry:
9.27
